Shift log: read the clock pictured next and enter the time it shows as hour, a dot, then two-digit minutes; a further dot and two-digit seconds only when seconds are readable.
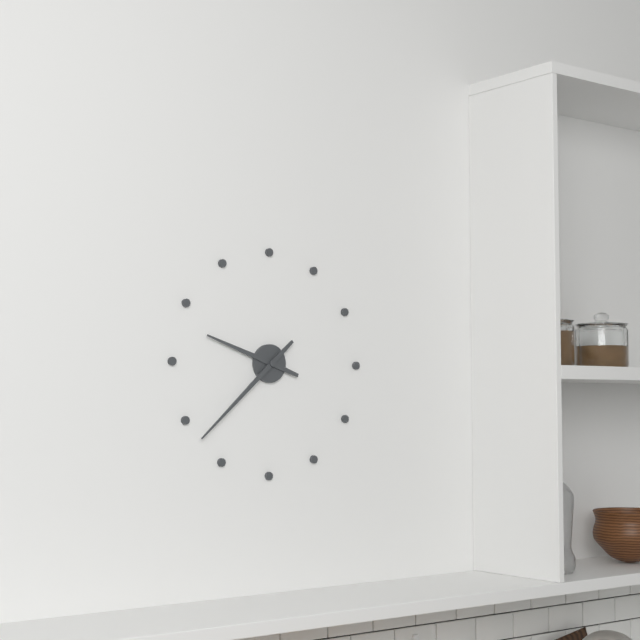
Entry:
9.38
